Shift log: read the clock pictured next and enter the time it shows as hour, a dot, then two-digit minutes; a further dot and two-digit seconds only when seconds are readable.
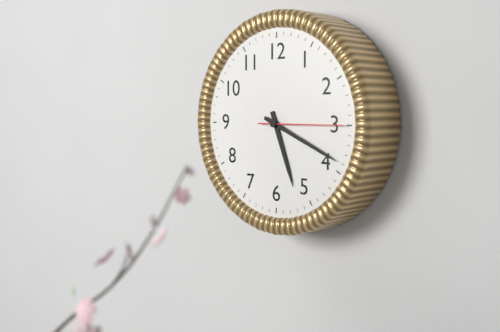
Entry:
5.19.15
